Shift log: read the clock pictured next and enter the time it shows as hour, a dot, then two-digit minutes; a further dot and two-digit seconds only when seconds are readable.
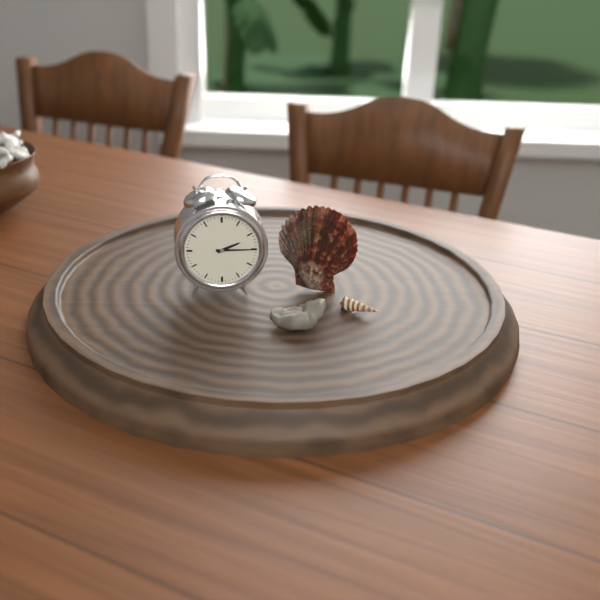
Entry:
2.15
